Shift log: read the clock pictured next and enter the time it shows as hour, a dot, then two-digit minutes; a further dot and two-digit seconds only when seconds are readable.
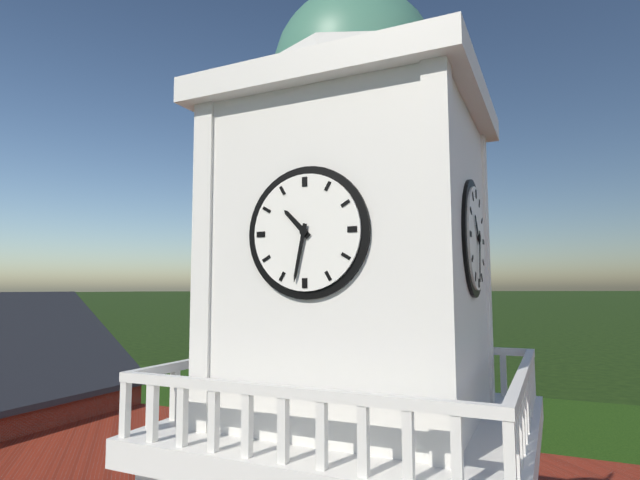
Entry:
10.32
